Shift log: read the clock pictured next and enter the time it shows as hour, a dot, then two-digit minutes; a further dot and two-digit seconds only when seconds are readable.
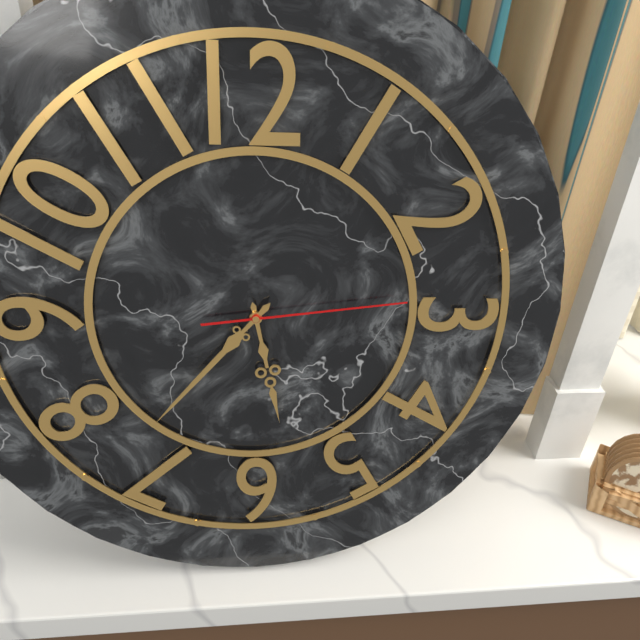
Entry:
5.37.14
